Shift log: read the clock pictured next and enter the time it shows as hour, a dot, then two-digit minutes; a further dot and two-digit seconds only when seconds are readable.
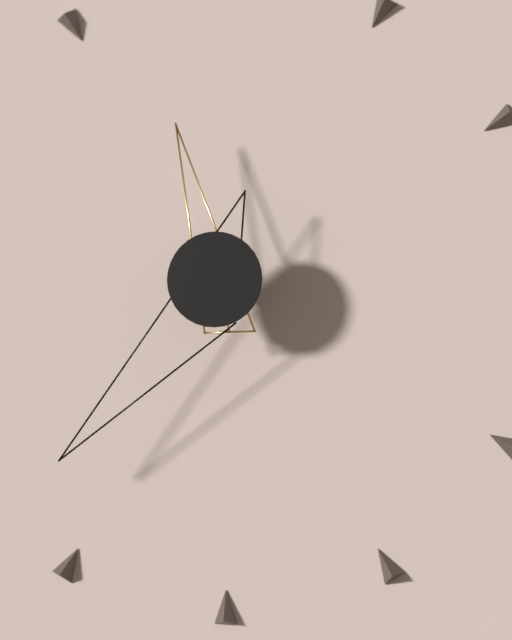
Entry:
11.37
